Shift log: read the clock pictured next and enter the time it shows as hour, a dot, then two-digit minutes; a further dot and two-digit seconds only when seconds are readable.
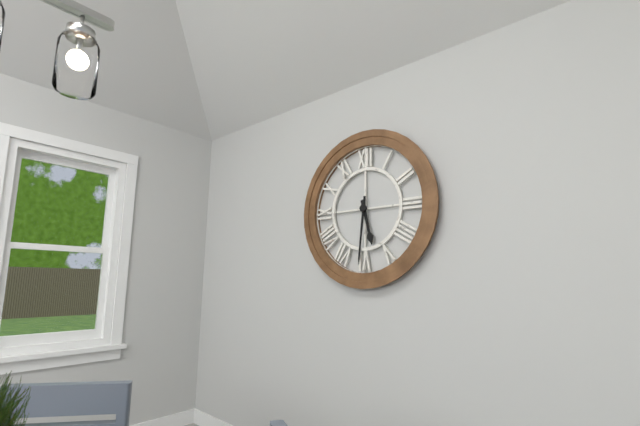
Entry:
5.31
